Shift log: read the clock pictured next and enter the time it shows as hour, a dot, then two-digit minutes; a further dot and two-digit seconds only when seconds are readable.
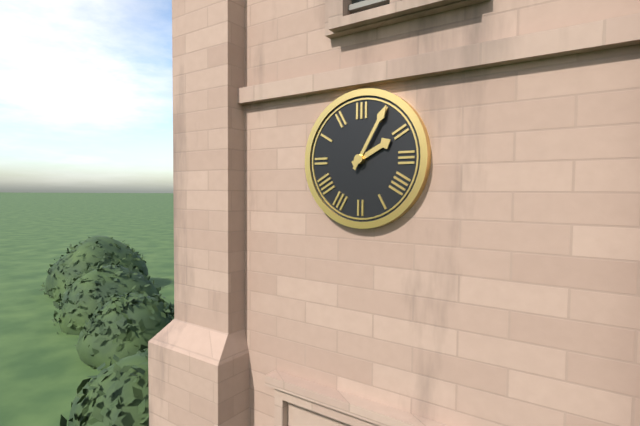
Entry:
2.05
